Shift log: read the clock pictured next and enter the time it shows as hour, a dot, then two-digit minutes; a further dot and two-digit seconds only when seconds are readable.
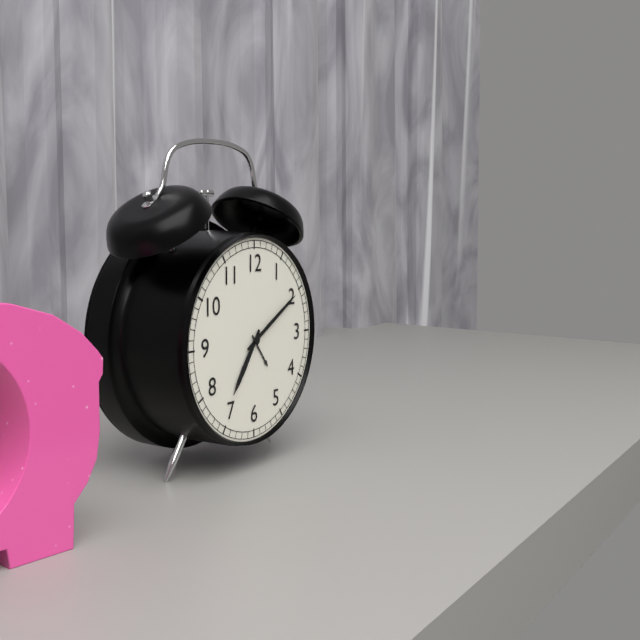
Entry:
7.10
